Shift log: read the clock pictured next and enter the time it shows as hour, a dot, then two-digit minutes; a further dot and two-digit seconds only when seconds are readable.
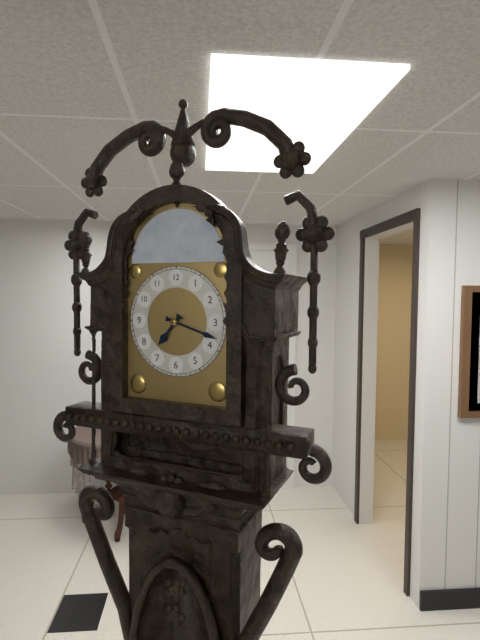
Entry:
7.18
